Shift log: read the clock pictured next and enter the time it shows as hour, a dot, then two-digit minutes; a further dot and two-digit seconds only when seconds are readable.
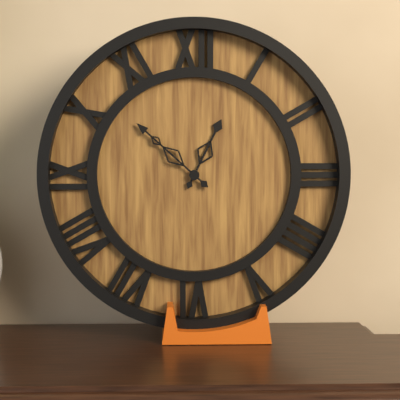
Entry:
12.52
